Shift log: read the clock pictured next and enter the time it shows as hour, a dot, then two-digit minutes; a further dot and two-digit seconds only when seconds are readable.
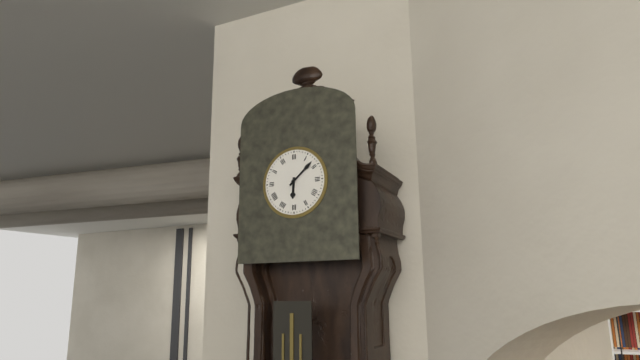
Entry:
6.08
